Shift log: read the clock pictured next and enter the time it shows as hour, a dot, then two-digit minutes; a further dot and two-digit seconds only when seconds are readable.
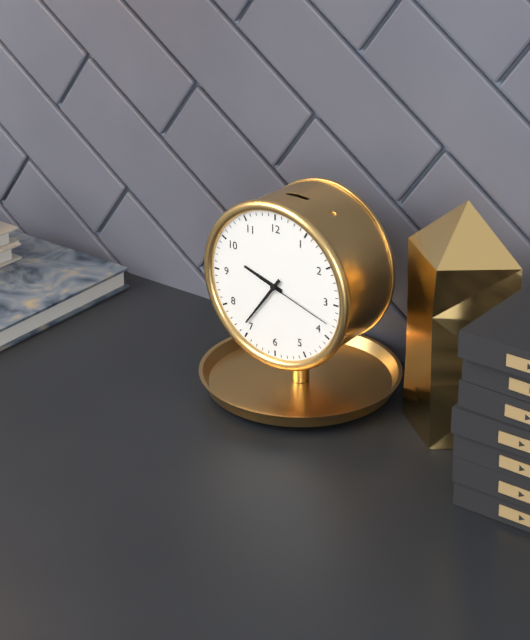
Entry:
9.36.18
